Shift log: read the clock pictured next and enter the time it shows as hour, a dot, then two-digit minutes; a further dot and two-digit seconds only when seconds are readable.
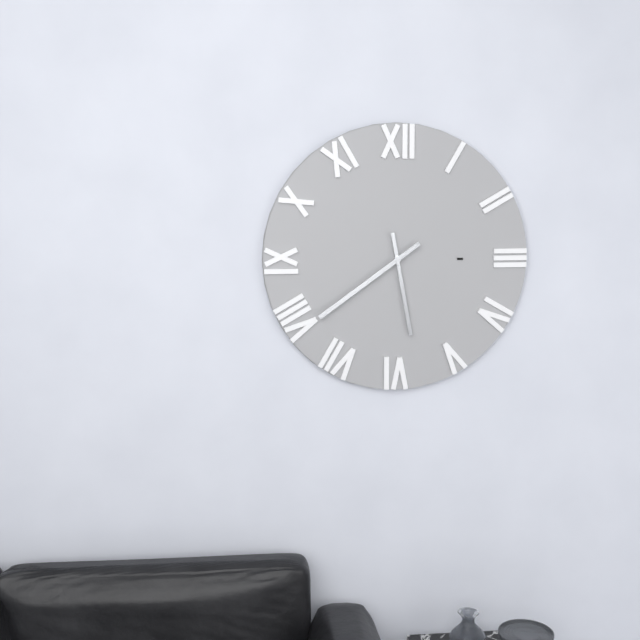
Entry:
5.39
